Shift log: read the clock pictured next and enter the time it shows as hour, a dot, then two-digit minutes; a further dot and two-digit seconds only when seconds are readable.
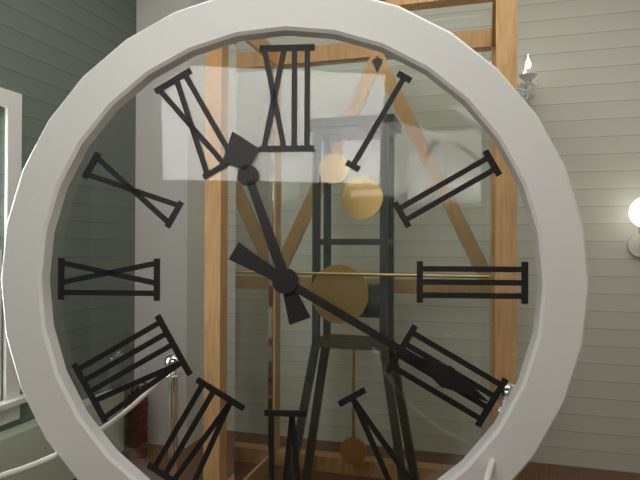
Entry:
11.20
